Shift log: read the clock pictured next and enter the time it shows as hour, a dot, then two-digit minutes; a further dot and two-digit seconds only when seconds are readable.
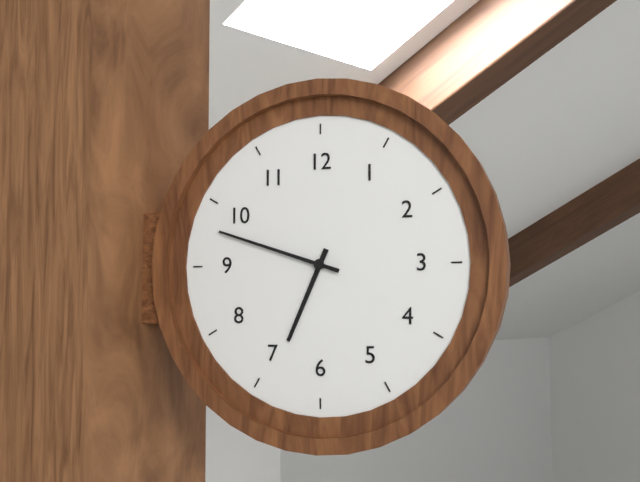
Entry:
6.48
